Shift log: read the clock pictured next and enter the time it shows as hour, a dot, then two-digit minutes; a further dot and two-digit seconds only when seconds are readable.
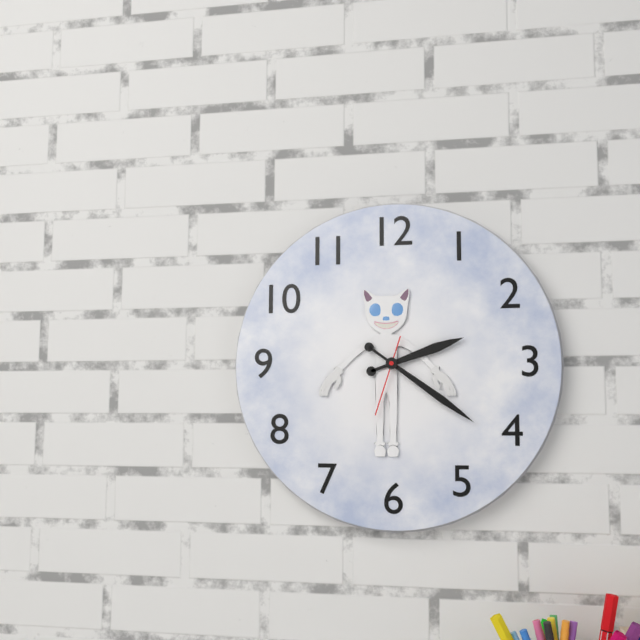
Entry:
2.21.33
